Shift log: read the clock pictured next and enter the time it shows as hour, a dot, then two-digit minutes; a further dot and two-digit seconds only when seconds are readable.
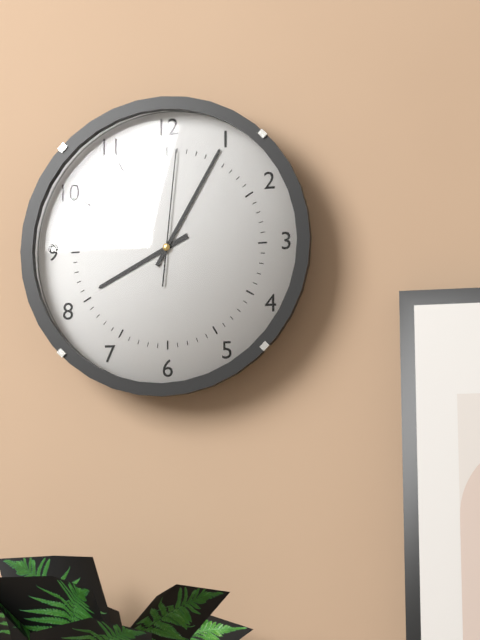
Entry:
8.05.01
